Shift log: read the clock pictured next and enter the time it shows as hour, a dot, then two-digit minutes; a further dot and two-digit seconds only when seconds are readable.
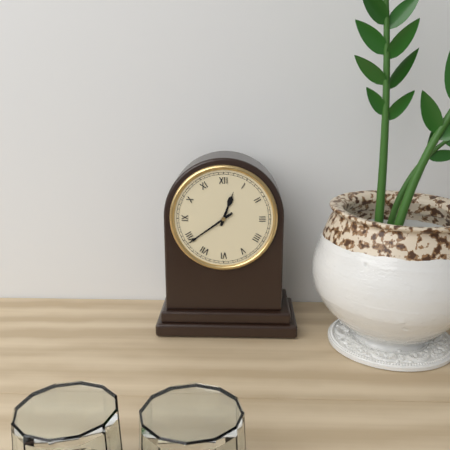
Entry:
12.39
